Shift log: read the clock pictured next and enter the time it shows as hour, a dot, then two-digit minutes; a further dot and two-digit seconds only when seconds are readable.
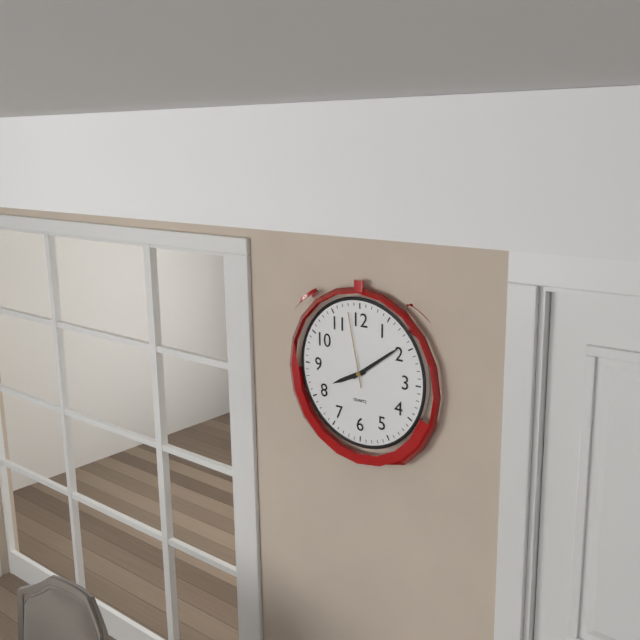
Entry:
8.09.58
